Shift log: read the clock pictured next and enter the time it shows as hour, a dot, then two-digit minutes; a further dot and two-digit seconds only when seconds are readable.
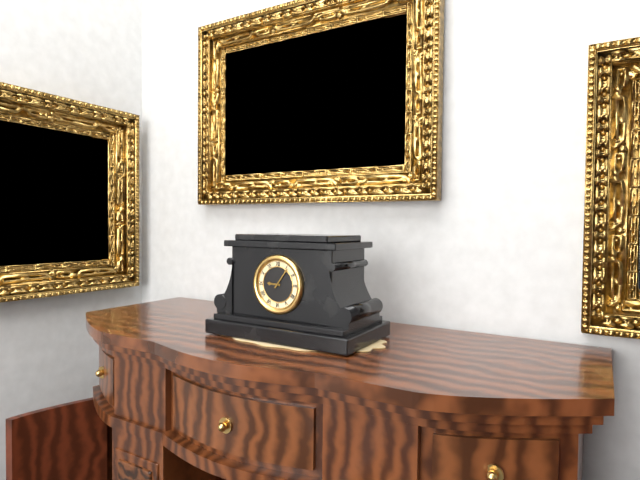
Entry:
9.06
